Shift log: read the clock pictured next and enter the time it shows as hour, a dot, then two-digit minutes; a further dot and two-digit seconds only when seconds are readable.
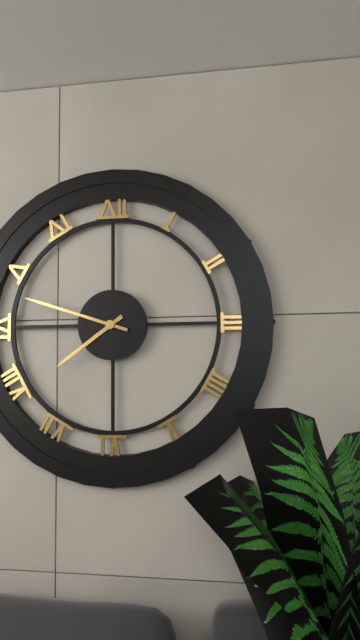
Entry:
7.48
